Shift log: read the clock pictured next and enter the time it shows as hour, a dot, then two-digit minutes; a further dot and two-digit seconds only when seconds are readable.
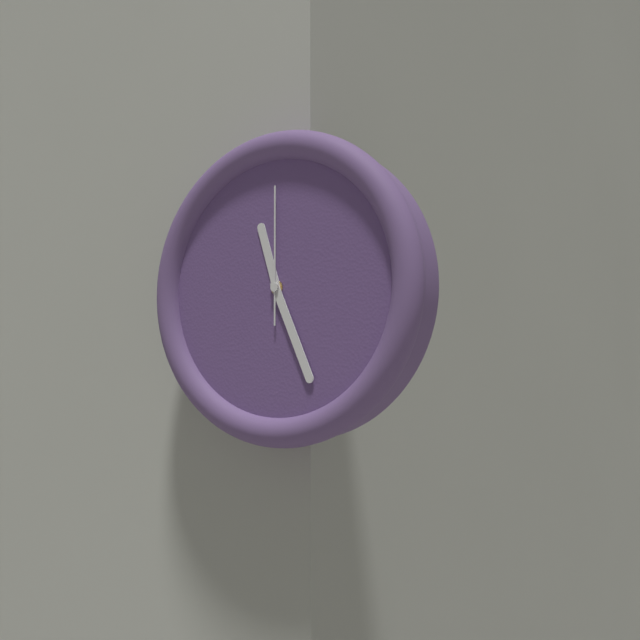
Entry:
11.26.00
